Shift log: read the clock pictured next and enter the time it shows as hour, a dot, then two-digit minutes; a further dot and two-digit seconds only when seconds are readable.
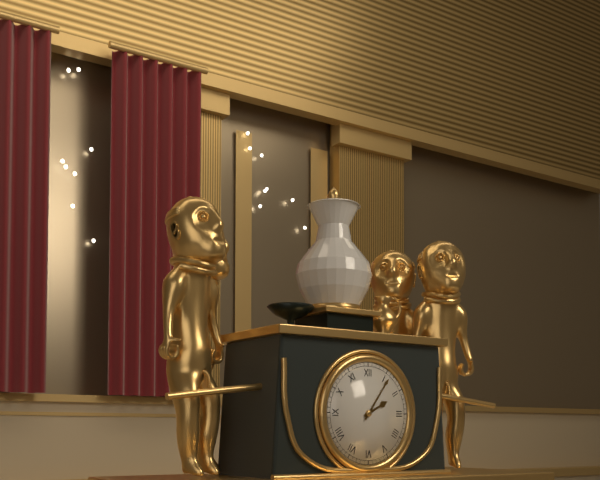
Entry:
2.06
